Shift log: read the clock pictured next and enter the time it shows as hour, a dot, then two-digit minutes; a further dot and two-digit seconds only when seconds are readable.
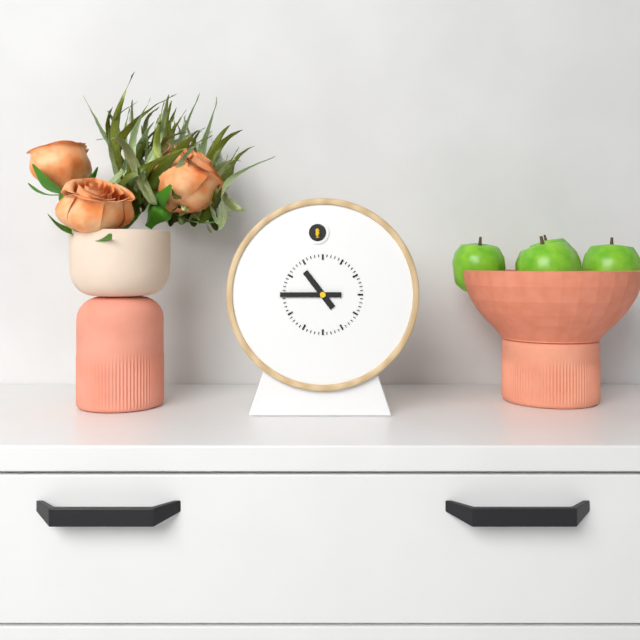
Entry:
10.45
